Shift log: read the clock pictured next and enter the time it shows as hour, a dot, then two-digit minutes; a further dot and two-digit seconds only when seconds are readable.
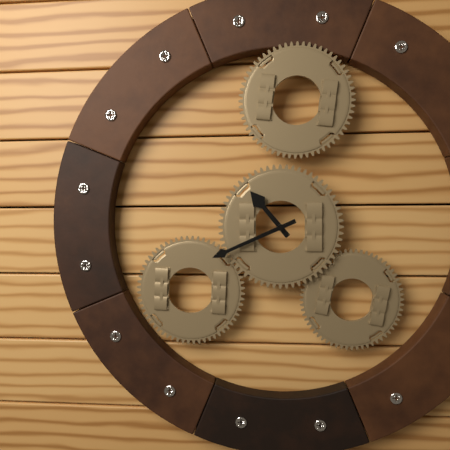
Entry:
10.41
